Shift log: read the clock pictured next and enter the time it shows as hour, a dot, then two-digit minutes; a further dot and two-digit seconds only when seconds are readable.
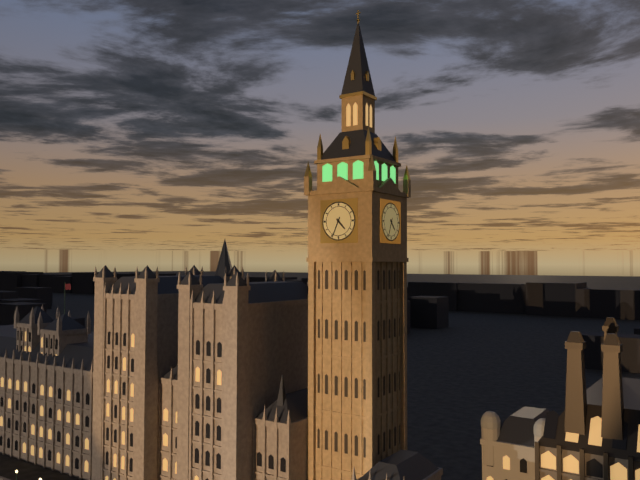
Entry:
4.34
